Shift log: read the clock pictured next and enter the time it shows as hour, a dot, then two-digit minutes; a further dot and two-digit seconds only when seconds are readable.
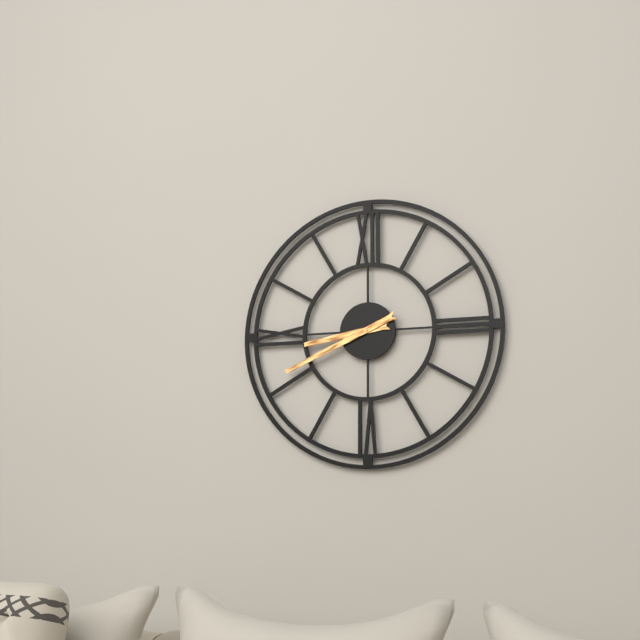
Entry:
8.41
